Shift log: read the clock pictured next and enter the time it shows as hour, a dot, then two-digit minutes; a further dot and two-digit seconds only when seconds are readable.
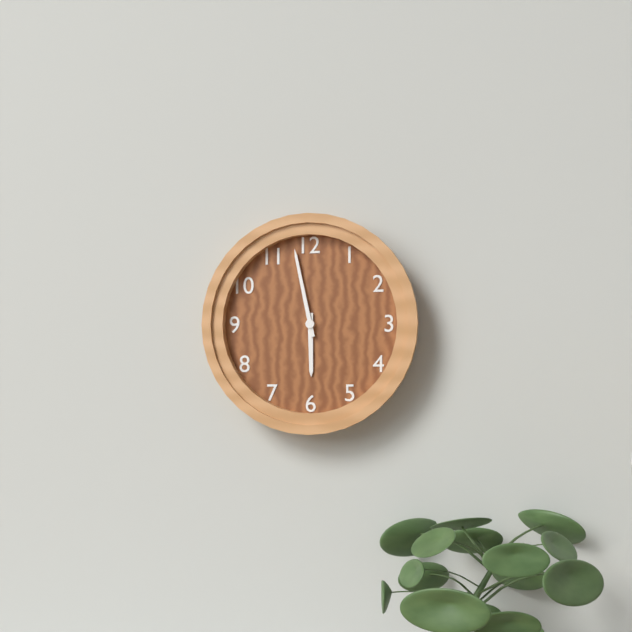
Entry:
5.58
